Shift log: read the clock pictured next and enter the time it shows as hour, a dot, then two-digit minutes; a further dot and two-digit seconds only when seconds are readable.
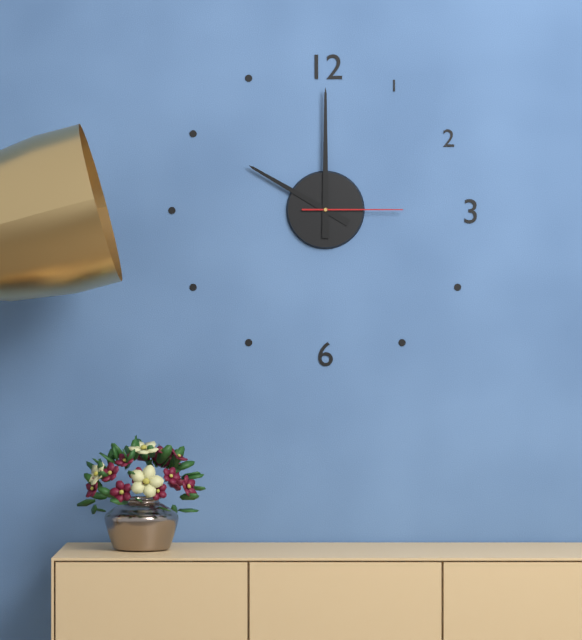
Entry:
10.00.15
